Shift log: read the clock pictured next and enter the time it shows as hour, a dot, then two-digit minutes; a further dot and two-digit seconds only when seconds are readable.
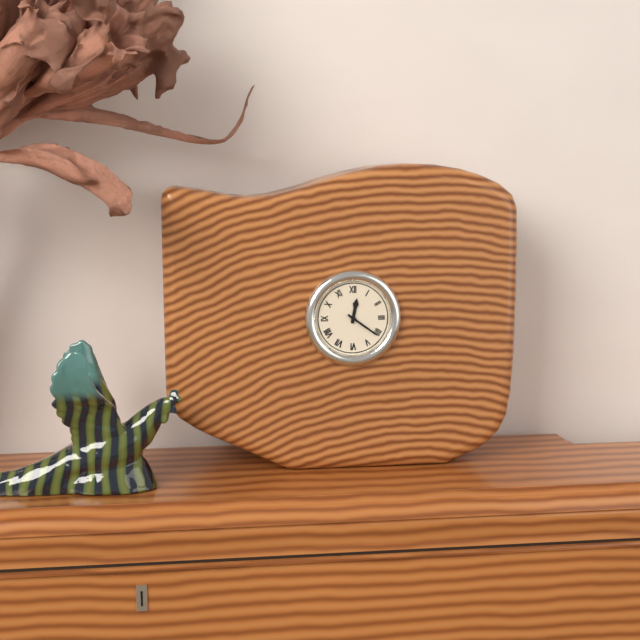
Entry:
12.21
